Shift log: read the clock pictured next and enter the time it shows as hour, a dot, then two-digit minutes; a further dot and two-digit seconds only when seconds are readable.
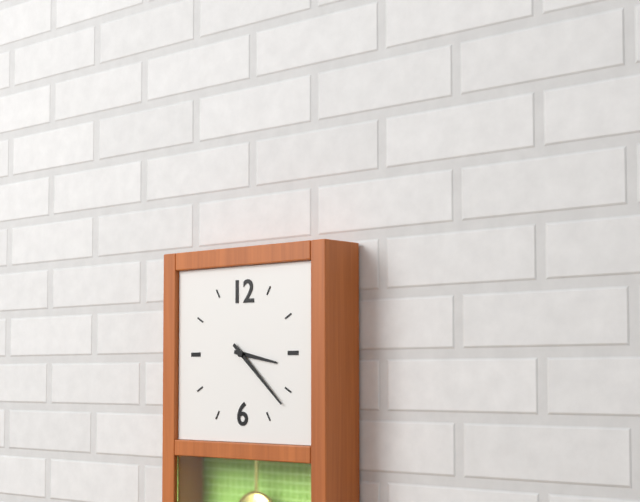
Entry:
3.22
